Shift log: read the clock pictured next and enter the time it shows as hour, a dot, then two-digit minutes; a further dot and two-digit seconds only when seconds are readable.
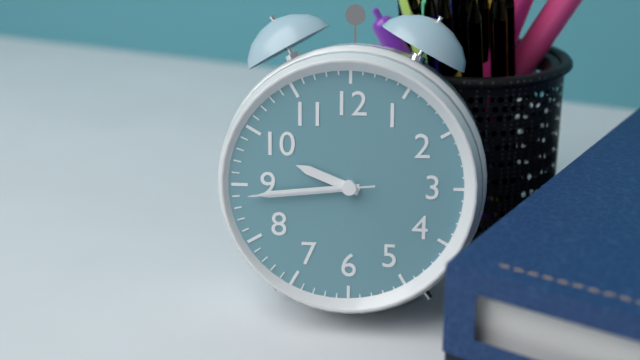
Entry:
9.44.44
